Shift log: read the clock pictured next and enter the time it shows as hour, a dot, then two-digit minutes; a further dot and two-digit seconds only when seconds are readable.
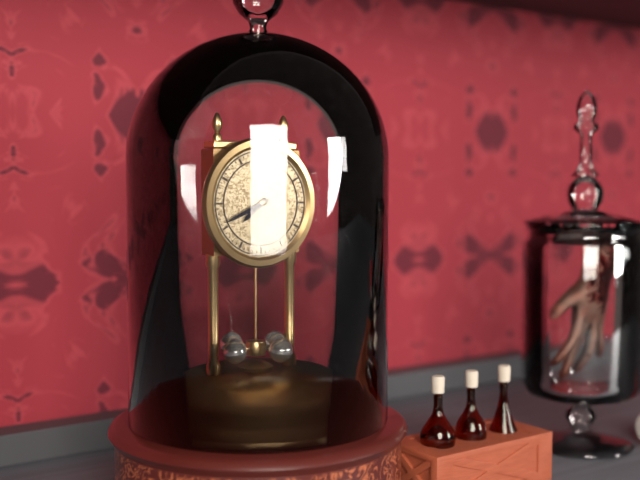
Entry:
7.41
